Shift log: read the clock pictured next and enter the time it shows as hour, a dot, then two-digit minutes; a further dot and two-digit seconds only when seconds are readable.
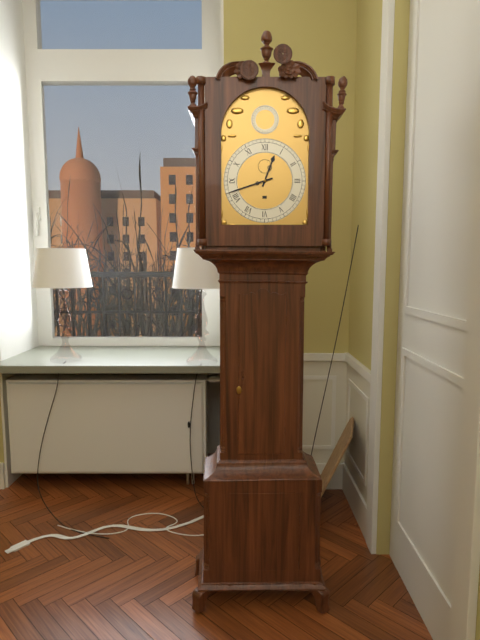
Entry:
12.42
